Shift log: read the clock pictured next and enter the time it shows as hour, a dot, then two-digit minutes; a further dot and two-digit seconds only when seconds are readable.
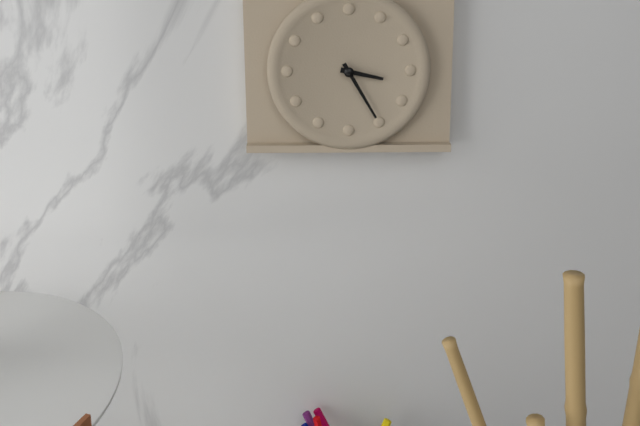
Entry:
3.25
